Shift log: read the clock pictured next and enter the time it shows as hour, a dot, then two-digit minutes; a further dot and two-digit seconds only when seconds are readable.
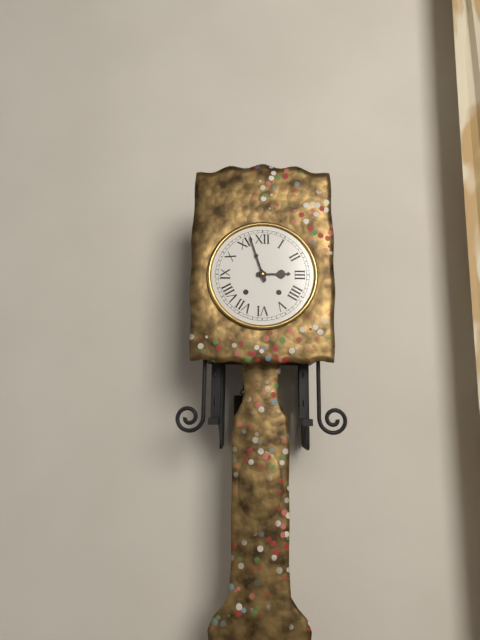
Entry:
2.57
